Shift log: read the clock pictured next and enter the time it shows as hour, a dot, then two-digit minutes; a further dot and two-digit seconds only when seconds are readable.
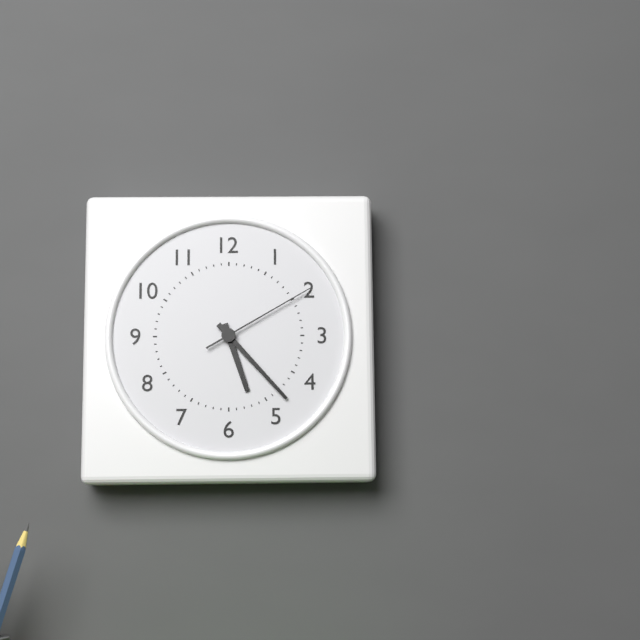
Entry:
5.23.10
